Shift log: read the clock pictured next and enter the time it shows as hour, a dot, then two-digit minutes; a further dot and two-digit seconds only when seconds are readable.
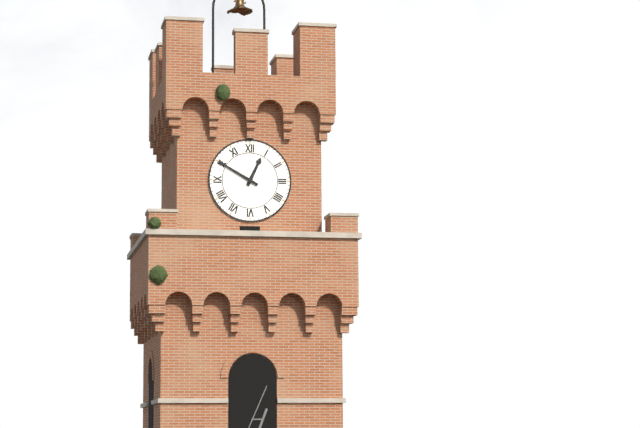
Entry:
12.50
